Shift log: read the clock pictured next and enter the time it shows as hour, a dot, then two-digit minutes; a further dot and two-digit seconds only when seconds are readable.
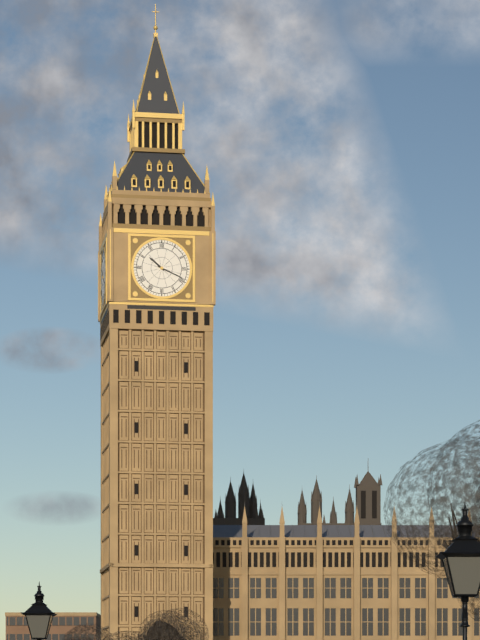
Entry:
10.19
